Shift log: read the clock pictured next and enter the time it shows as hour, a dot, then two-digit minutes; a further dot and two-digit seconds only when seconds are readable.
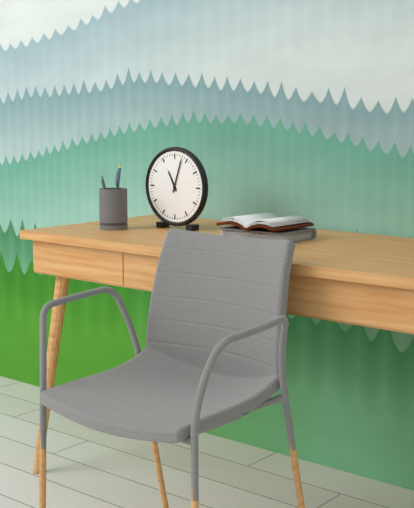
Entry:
11.03
